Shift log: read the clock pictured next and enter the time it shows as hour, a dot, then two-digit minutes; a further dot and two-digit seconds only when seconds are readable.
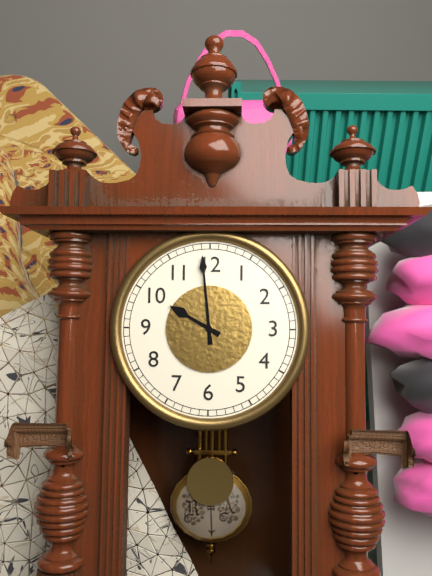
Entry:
9.59
